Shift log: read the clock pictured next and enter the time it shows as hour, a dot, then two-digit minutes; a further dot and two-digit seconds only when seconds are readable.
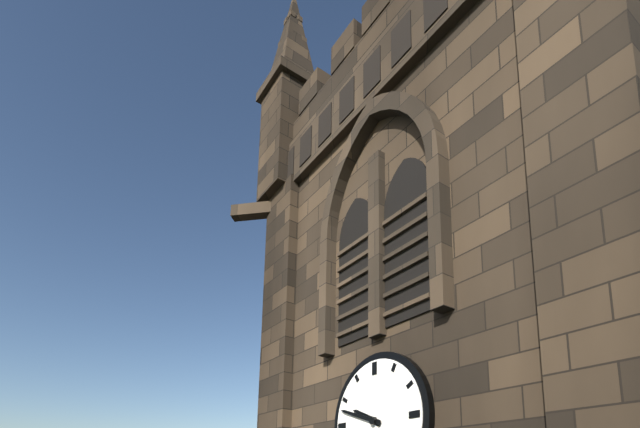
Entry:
9.48
